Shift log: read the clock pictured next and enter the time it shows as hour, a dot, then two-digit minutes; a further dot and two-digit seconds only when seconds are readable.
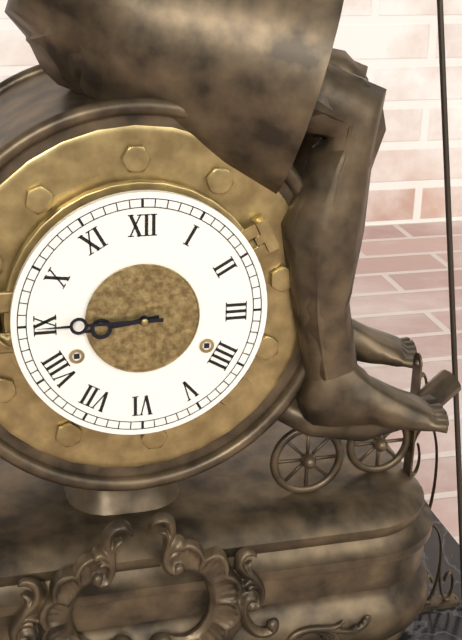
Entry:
8.45
